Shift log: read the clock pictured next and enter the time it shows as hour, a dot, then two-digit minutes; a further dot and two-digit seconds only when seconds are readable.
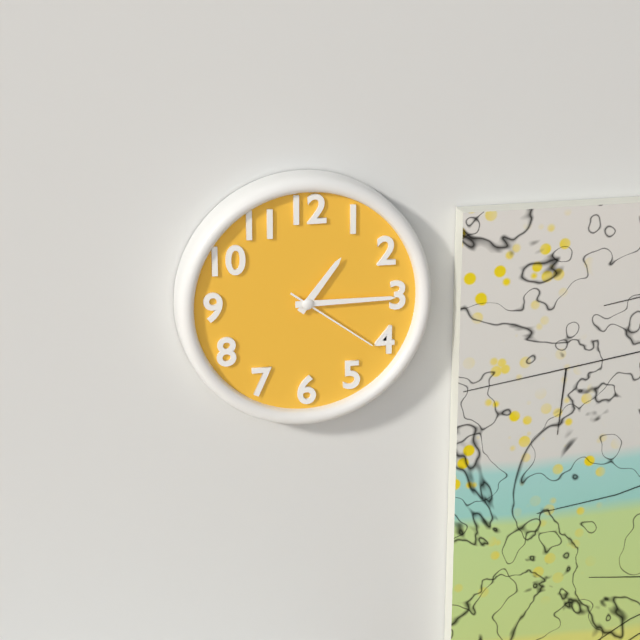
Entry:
1.15.21
